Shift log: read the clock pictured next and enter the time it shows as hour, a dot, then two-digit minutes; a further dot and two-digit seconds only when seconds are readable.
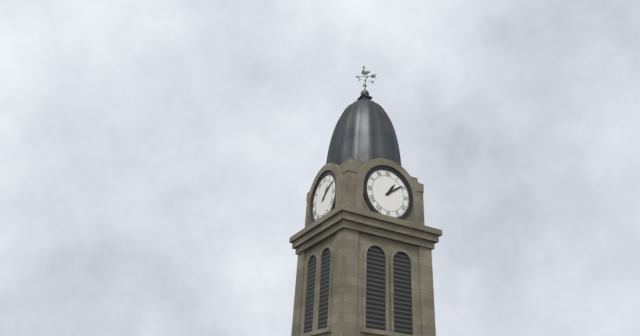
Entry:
1.09
